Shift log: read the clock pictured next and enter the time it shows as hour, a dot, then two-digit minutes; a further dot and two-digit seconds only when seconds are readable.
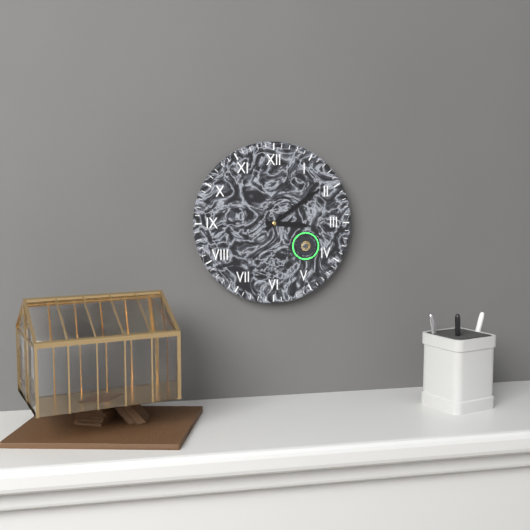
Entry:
3.09
